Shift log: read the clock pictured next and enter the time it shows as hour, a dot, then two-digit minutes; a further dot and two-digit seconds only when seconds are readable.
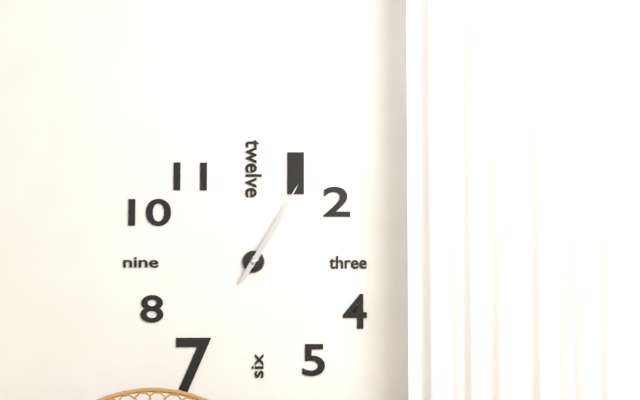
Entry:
1.05
